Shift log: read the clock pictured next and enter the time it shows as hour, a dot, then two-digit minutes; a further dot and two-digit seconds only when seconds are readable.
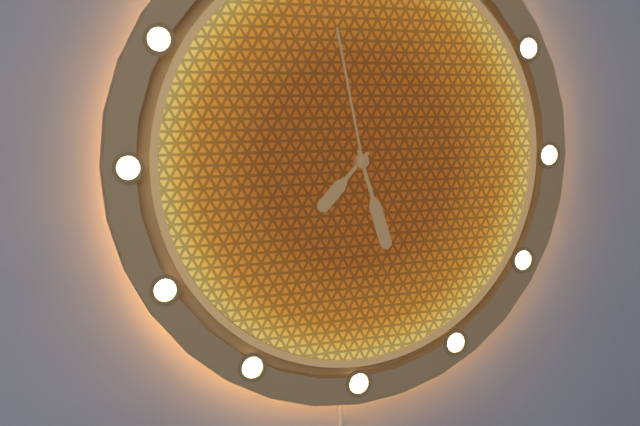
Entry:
7.27.58
